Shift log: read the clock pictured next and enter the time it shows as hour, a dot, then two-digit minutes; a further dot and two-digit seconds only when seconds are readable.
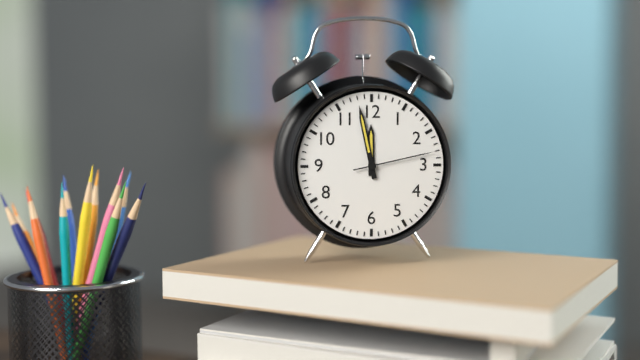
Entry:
11.58.13
